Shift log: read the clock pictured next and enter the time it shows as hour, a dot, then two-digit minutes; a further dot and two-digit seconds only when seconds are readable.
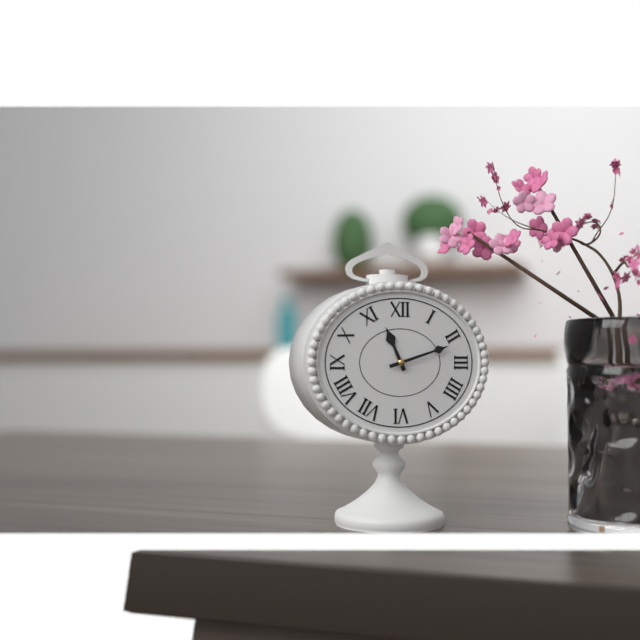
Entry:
11.12
